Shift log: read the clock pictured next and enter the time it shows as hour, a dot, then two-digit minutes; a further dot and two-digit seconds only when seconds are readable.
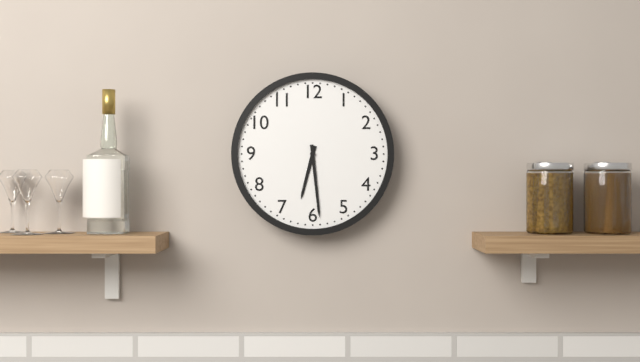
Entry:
6.29
